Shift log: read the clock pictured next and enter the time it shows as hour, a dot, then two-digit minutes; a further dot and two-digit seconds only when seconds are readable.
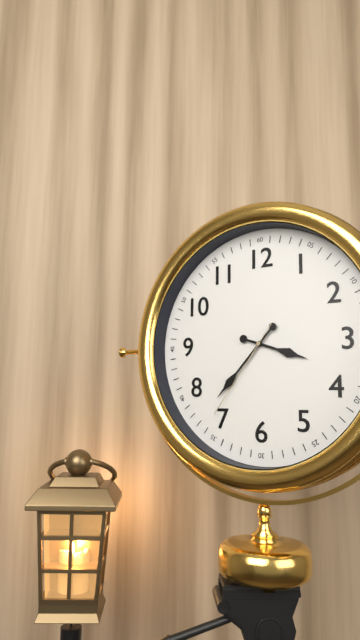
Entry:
3.37.36
